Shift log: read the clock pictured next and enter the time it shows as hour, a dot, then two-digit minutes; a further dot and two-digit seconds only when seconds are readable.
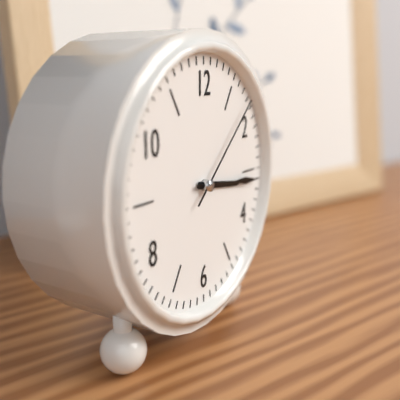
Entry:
3.16.08
